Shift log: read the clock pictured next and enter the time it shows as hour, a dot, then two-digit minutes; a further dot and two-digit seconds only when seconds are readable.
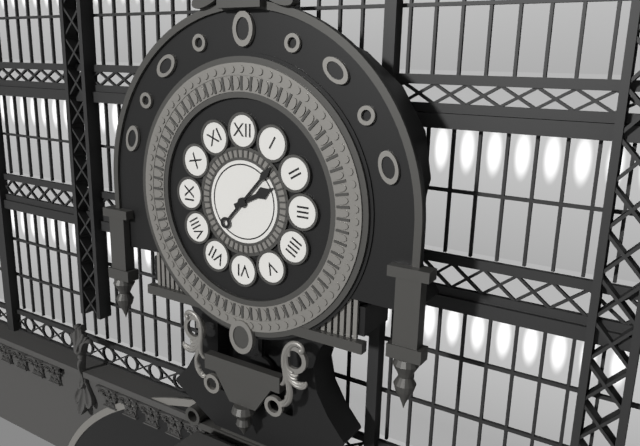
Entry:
2.07
